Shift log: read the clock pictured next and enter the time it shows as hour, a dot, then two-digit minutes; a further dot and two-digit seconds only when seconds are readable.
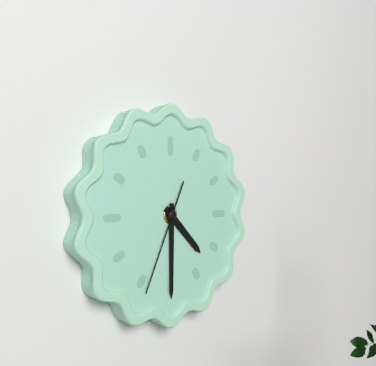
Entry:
4.30.34
